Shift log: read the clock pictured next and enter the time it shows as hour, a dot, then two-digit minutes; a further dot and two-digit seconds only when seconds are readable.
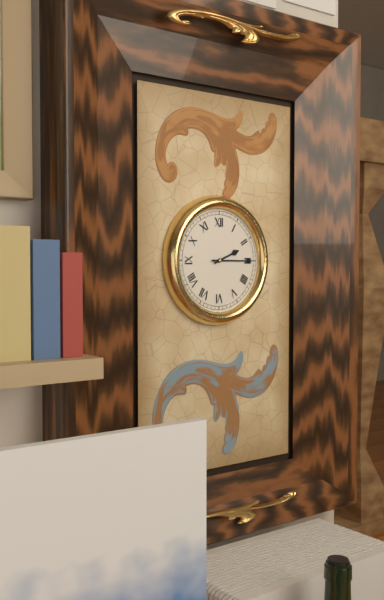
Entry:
2.15
